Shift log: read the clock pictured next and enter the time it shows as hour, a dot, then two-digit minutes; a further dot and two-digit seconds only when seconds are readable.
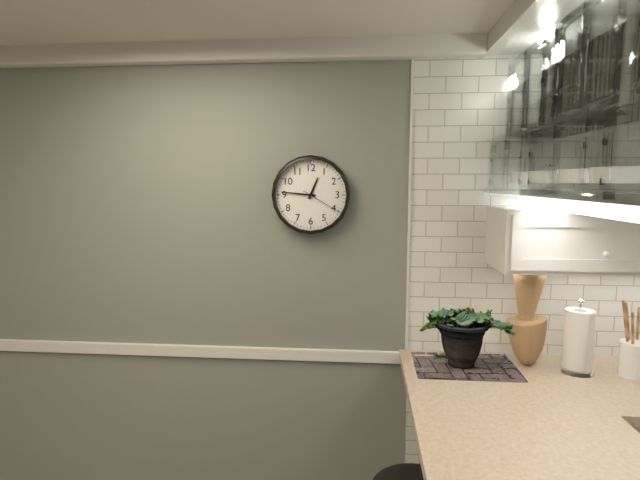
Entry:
12.46
